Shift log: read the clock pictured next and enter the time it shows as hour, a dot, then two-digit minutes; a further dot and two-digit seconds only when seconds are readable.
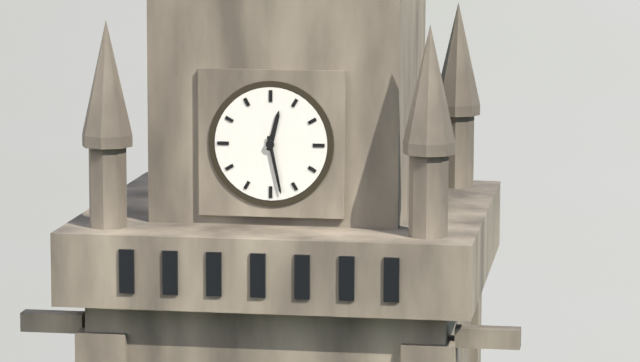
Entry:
12.28
